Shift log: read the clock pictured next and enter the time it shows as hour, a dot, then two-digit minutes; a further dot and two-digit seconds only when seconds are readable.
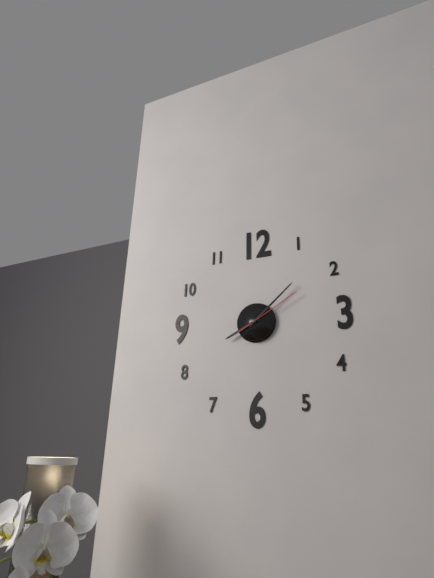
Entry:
8.08.10
